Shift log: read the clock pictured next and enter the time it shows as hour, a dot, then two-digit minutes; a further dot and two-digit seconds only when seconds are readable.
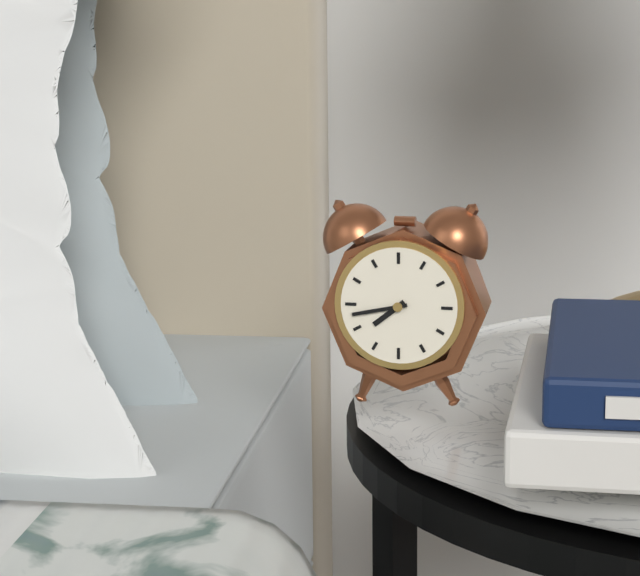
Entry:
7.43
